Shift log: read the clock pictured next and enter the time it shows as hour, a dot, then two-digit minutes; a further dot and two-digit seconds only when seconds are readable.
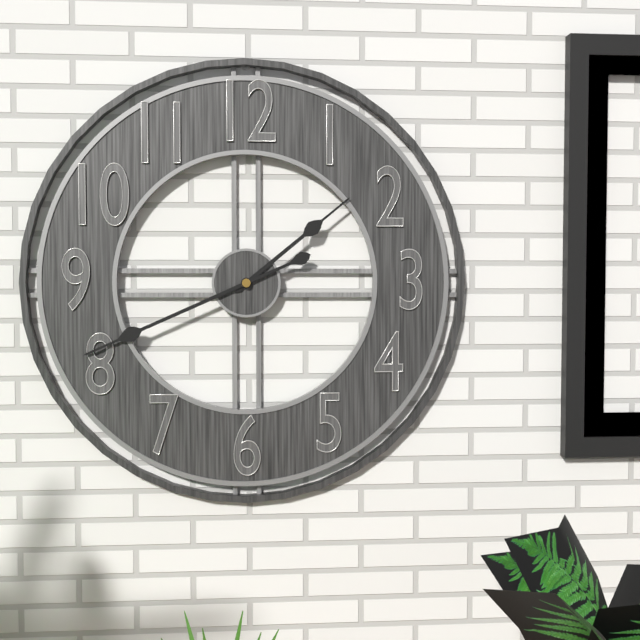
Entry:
1.41
